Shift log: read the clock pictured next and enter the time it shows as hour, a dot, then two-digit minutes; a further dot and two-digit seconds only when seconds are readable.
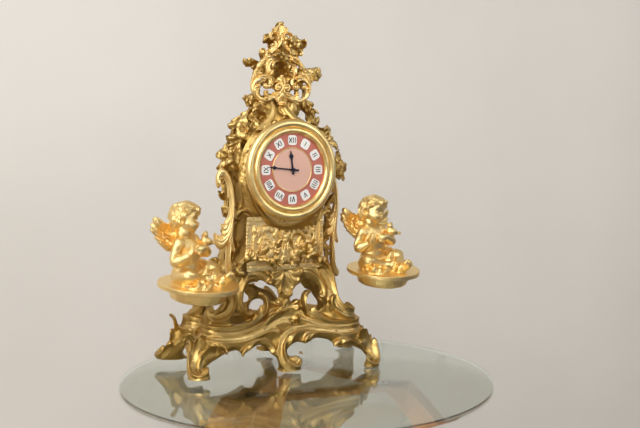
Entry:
11.46
